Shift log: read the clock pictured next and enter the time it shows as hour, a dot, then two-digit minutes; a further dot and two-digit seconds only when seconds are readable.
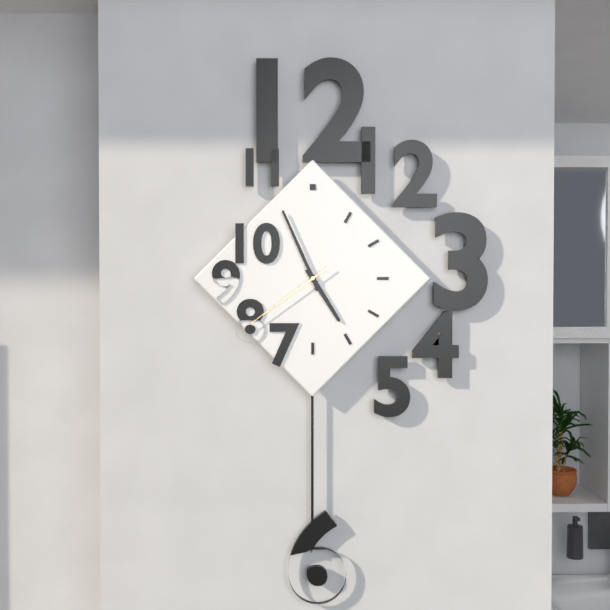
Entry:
4.56.39
